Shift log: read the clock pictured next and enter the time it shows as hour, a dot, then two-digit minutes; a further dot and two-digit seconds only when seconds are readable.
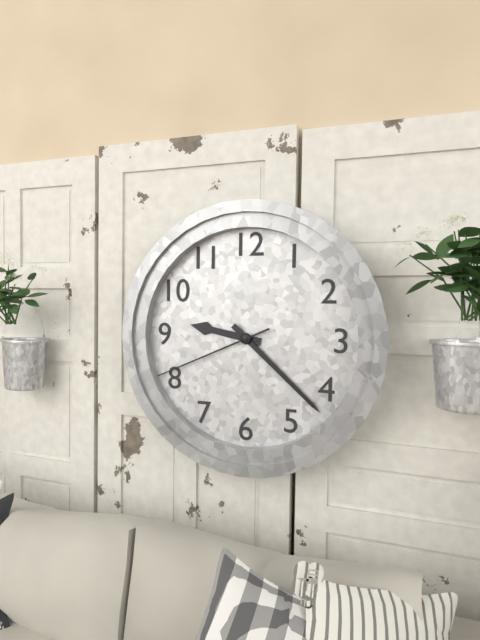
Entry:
9.22.41
